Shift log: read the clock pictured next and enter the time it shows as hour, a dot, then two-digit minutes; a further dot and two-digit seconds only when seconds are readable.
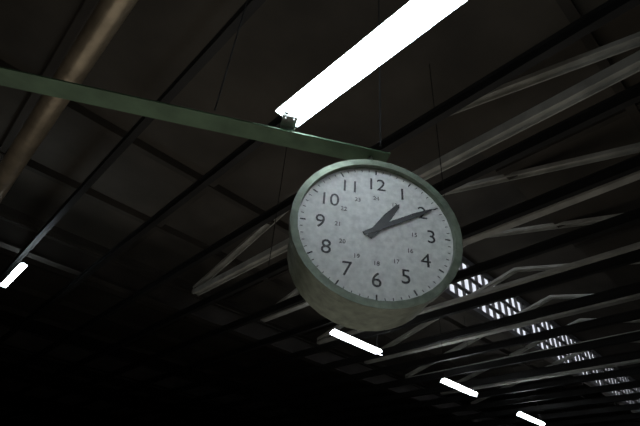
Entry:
1.10
